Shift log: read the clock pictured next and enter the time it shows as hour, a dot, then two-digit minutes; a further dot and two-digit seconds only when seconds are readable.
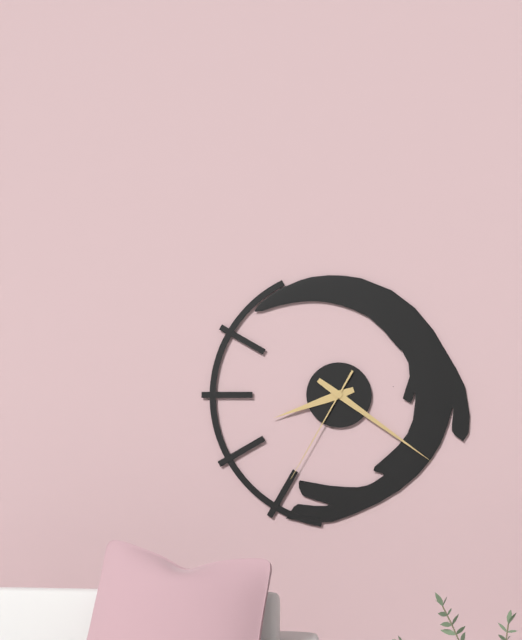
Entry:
8.21.35
